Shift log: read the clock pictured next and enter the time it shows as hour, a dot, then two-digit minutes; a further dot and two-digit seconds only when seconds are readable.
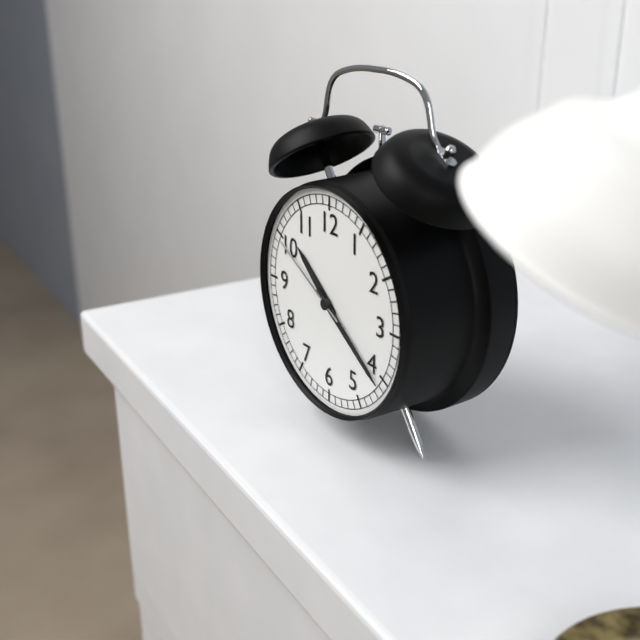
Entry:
10.21.50
